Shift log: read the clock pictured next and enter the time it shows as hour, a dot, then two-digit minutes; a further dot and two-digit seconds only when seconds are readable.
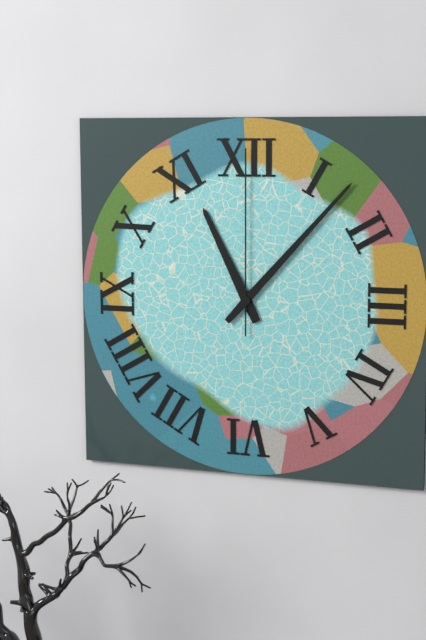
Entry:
11.07.00
